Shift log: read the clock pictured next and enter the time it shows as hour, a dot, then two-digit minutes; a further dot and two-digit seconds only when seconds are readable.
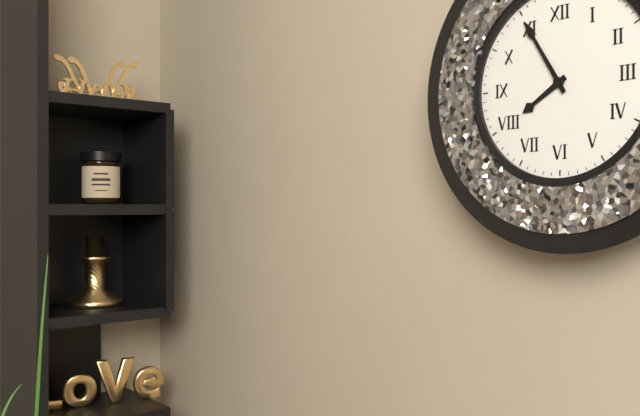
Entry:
7.55
